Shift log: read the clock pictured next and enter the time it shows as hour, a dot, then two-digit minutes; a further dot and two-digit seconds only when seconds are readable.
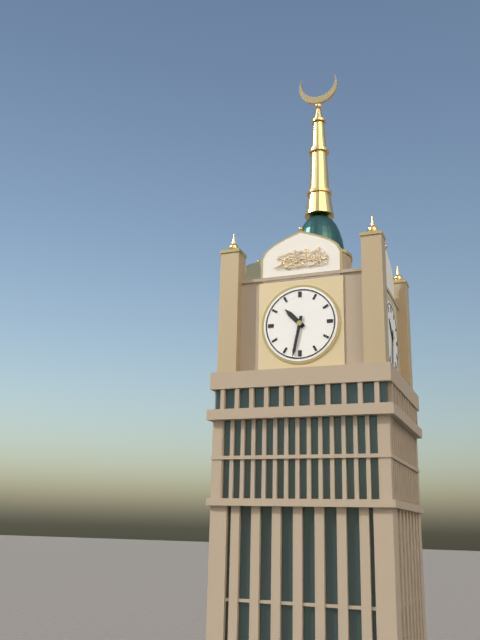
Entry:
10.32
